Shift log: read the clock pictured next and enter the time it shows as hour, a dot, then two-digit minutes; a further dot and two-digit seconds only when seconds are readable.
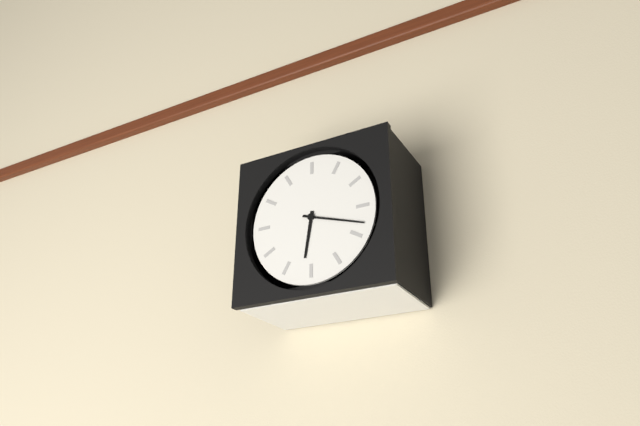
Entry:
6.18
